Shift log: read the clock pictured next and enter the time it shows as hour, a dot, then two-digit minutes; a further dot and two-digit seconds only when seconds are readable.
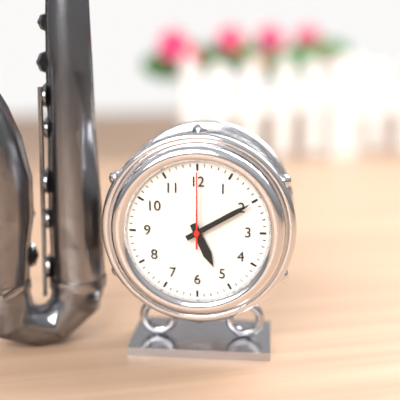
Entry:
5.10.00
